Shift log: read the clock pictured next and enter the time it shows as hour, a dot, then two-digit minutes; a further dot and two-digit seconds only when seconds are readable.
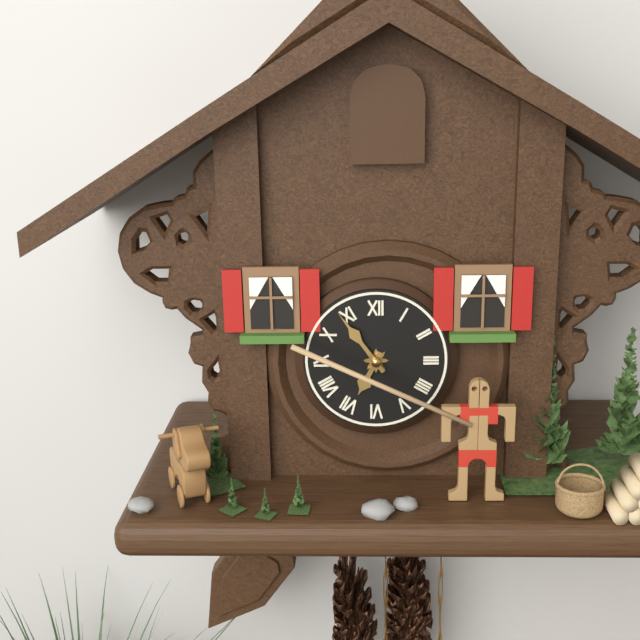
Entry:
6.54
